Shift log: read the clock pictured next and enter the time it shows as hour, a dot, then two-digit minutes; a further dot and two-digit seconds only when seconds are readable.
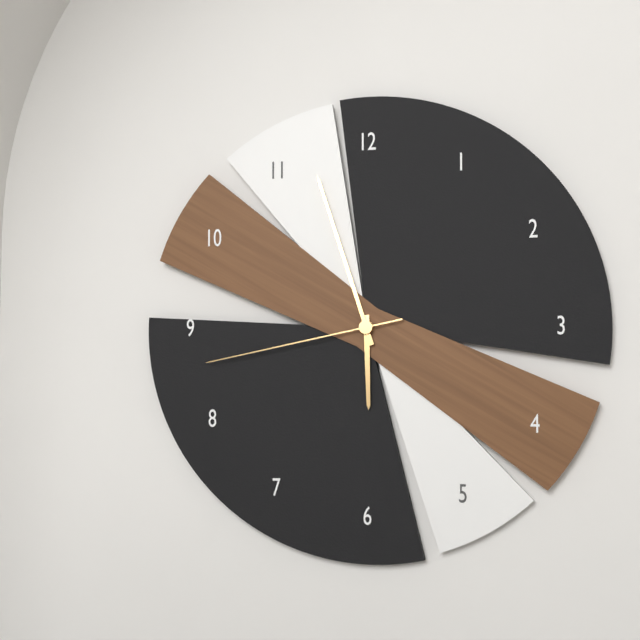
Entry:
5.57.43
